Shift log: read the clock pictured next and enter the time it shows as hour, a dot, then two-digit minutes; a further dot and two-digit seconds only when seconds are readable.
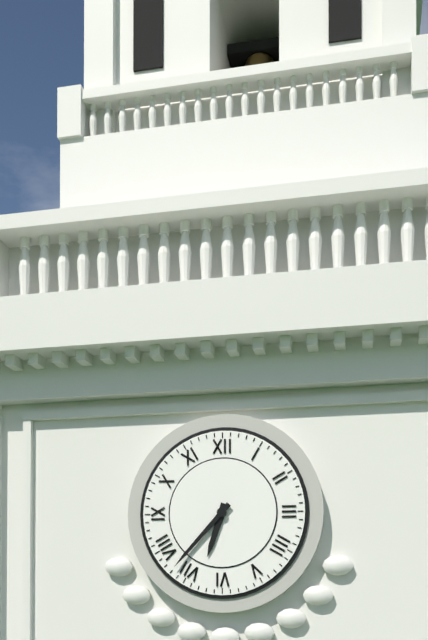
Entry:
6.37
